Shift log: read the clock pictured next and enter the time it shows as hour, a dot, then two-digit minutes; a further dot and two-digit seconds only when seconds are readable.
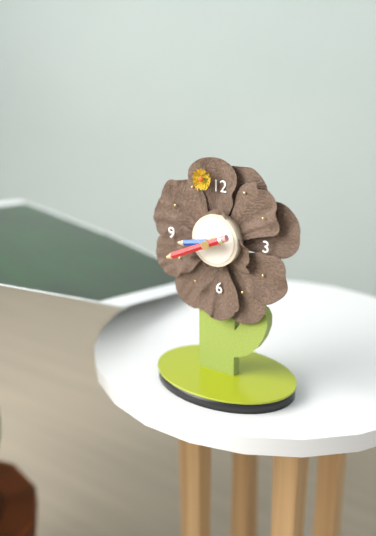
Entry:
8.41
